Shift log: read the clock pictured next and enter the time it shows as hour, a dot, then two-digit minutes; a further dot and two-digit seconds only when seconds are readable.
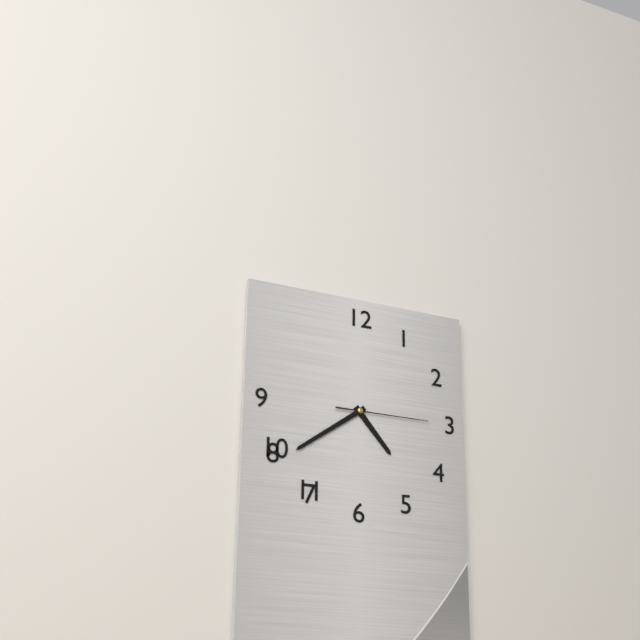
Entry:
4.39.15
